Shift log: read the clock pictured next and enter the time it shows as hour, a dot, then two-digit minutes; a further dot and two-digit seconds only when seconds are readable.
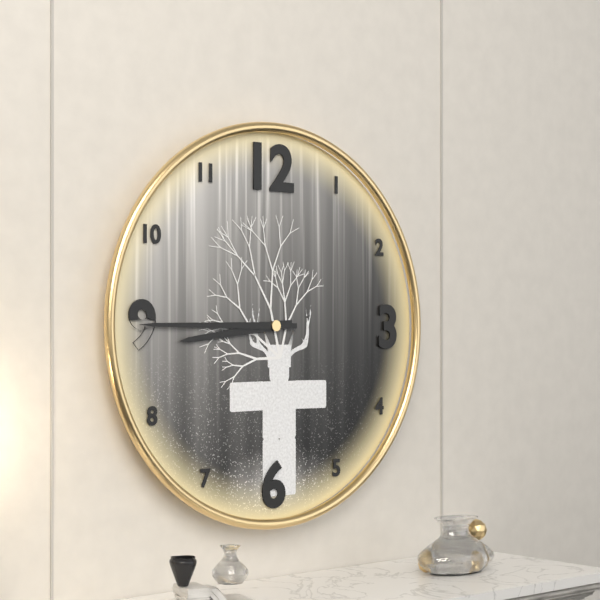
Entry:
8.45
